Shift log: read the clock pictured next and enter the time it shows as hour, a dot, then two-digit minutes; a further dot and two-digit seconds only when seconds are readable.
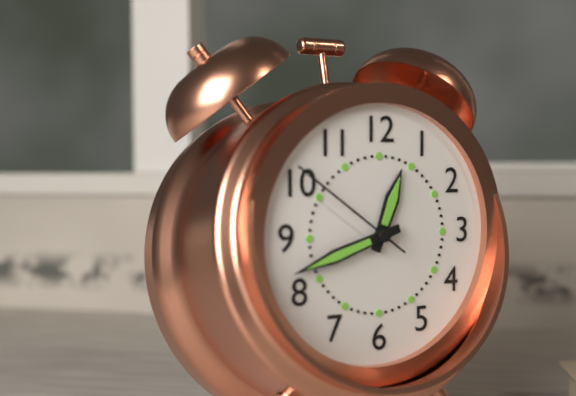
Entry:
12.42.51
